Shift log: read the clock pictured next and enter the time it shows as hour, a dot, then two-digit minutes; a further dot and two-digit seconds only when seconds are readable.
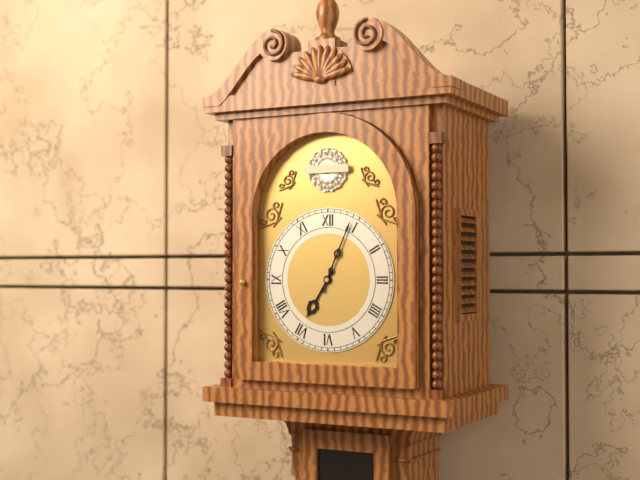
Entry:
7.04
